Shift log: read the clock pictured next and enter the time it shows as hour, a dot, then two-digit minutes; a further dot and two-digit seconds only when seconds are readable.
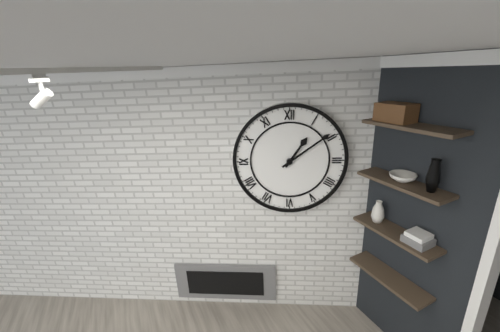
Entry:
1.09
